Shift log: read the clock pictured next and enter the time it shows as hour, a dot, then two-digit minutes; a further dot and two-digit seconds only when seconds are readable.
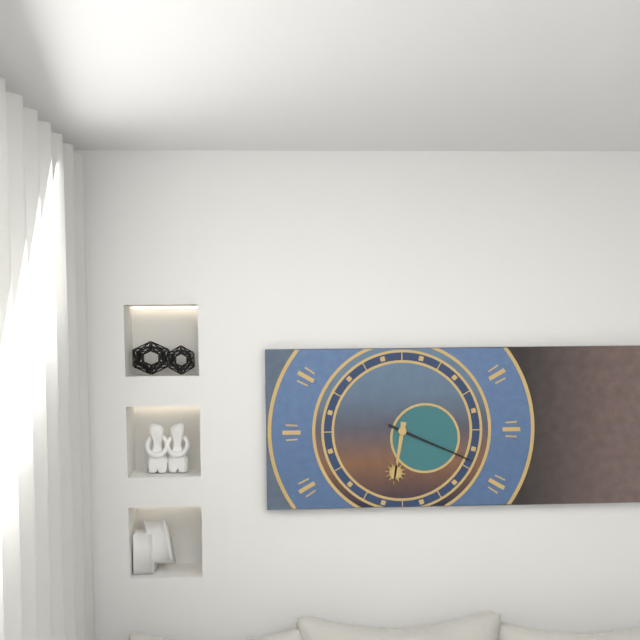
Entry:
6.19
